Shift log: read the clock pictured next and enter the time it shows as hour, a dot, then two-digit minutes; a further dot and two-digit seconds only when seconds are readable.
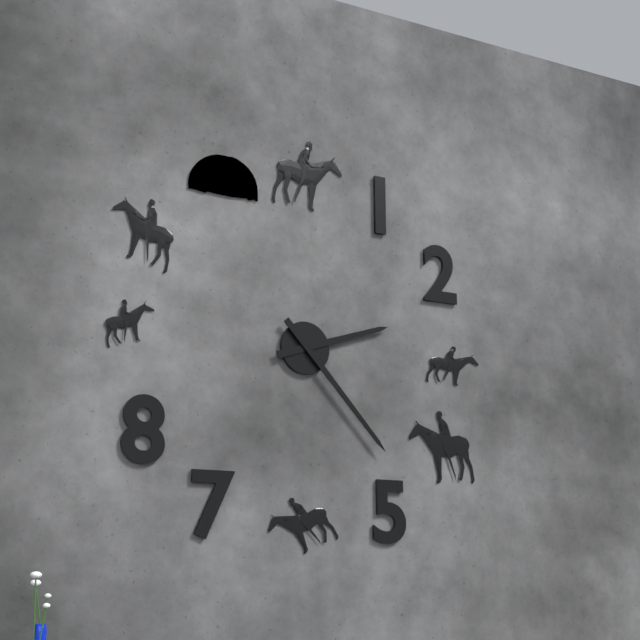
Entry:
2.23
